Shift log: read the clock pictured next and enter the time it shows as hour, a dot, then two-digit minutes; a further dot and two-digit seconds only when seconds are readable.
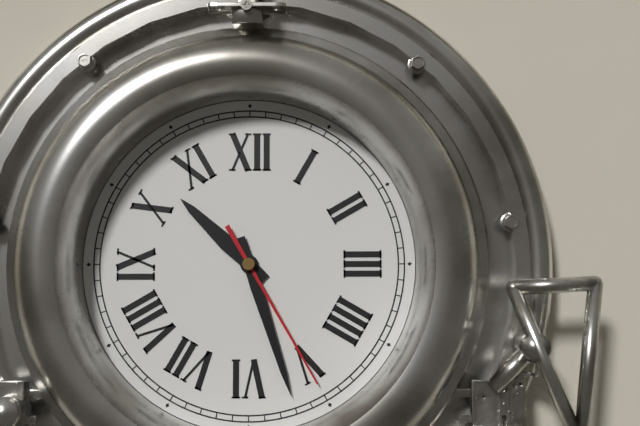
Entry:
10.27.25
